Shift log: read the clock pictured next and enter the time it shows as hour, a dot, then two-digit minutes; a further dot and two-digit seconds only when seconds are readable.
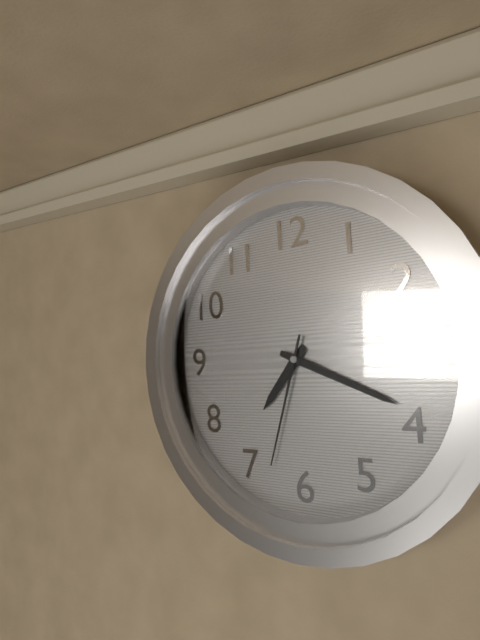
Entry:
7.19.33
